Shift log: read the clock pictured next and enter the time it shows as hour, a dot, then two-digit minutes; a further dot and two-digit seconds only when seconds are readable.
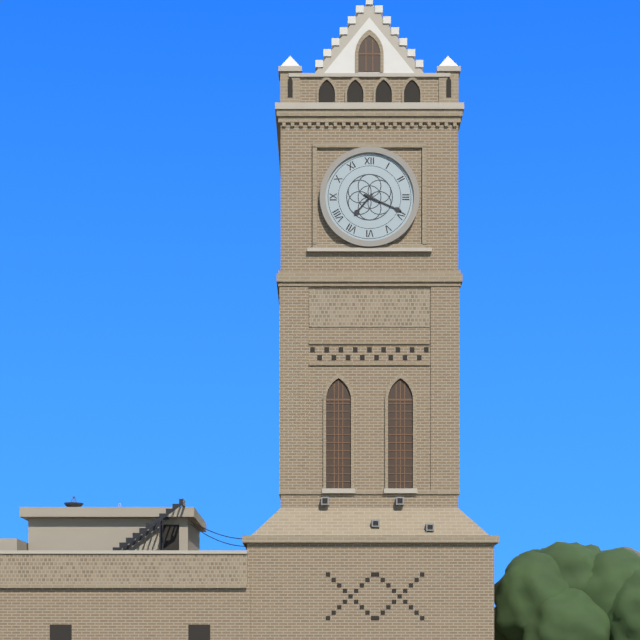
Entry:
7.19
